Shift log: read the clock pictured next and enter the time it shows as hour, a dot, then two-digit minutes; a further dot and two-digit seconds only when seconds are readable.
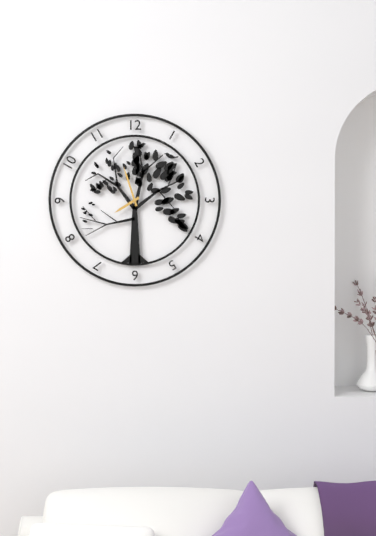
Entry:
7.57
